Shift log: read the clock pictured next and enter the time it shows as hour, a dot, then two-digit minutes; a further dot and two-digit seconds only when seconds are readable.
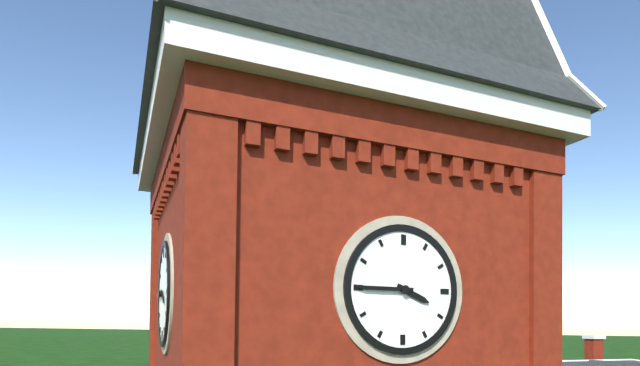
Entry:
3.45
